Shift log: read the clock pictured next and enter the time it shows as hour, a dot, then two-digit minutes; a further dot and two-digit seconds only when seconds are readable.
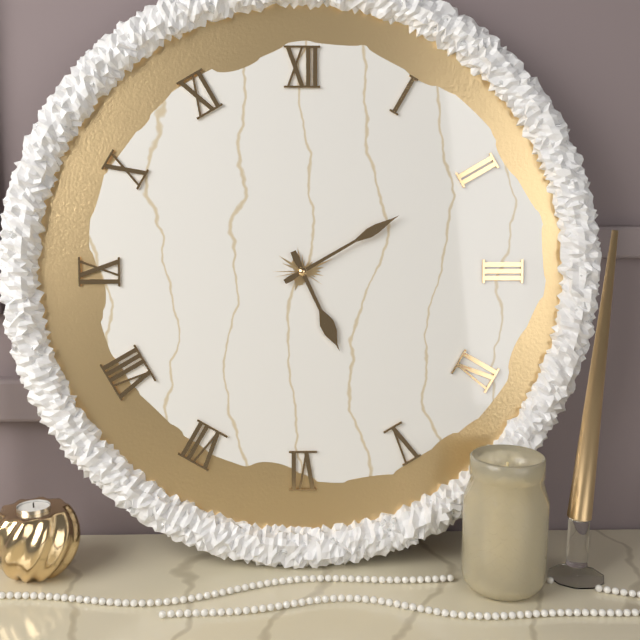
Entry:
5.10
